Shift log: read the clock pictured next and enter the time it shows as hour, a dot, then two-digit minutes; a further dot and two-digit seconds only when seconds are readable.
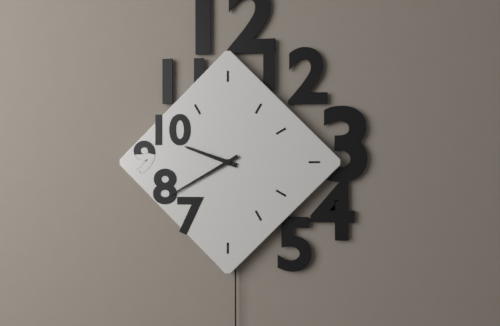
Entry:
9.40
